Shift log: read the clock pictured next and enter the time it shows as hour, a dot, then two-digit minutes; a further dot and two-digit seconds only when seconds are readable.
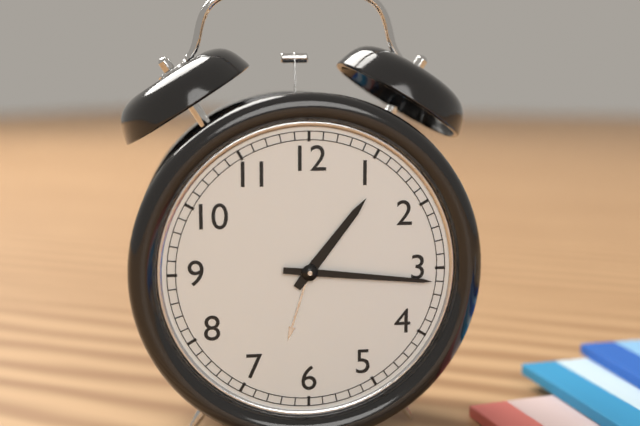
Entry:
1.16
